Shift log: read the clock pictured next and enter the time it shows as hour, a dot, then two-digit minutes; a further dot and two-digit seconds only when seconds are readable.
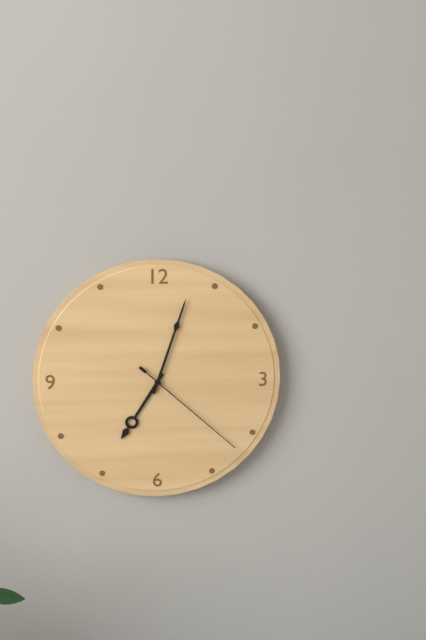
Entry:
7.03.22
